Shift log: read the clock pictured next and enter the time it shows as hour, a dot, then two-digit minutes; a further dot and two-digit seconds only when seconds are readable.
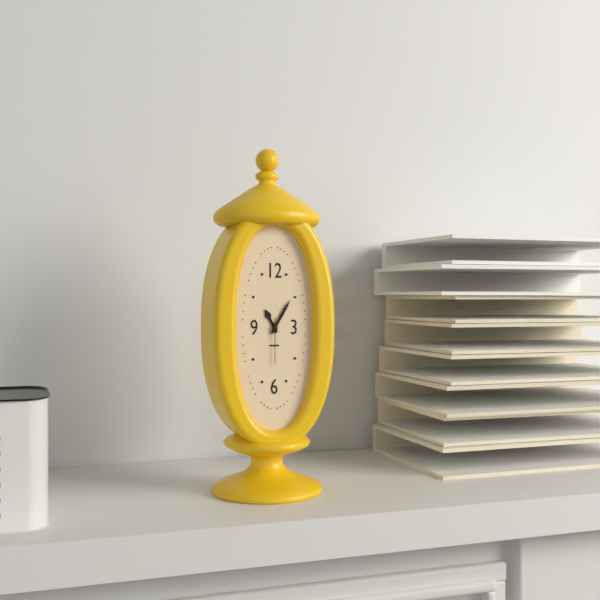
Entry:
11.05
